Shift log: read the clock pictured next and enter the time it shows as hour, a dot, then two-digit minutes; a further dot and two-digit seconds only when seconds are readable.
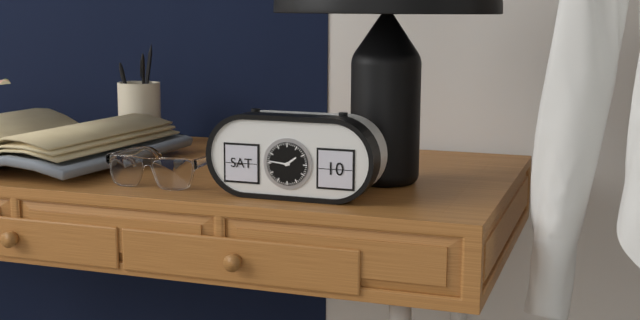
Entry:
1.46
